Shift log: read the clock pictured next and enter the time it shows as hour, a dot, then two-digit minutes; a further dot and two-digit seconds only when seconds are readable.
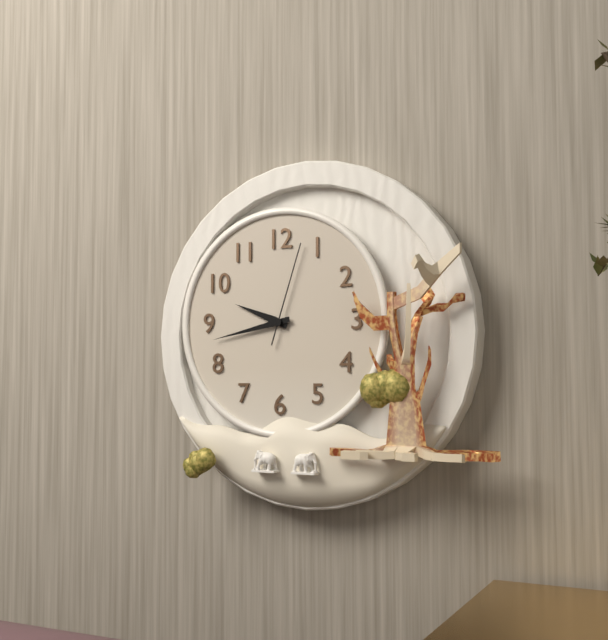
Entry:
9.43.03
